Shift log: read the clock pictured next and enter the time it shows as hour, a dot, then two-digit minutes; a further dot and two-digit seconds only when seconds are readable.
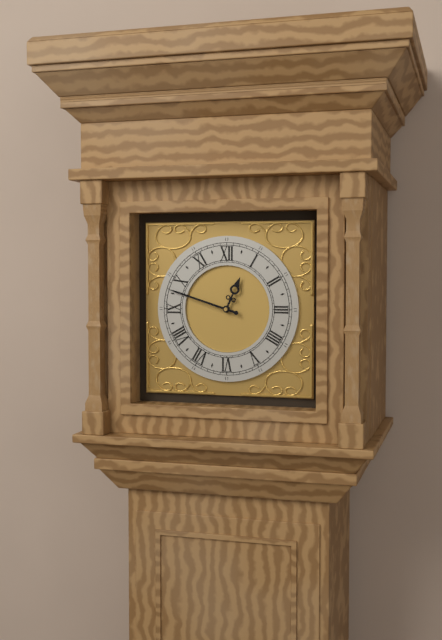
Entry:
12.48
